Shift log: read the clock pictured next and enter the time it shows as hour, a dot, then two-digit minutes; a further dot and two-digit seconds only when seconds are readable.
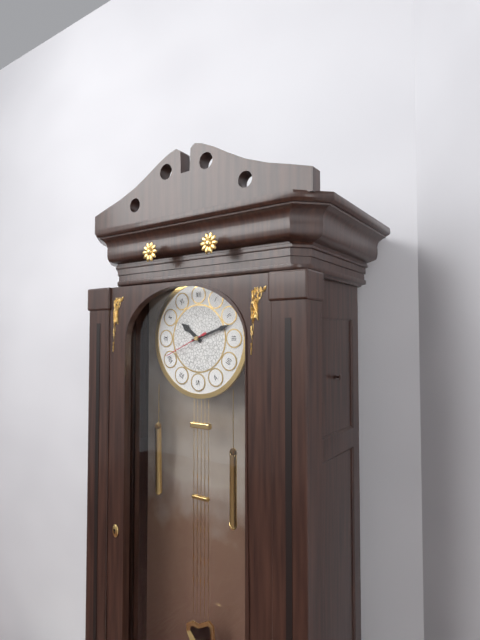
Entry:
10.12
